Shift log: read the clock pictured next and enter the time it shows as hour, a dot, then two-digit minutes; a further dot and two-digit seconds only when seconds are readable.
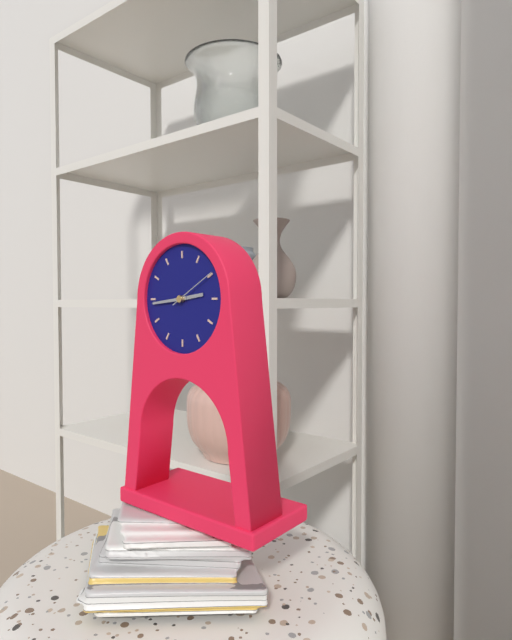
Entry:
2.44.10
